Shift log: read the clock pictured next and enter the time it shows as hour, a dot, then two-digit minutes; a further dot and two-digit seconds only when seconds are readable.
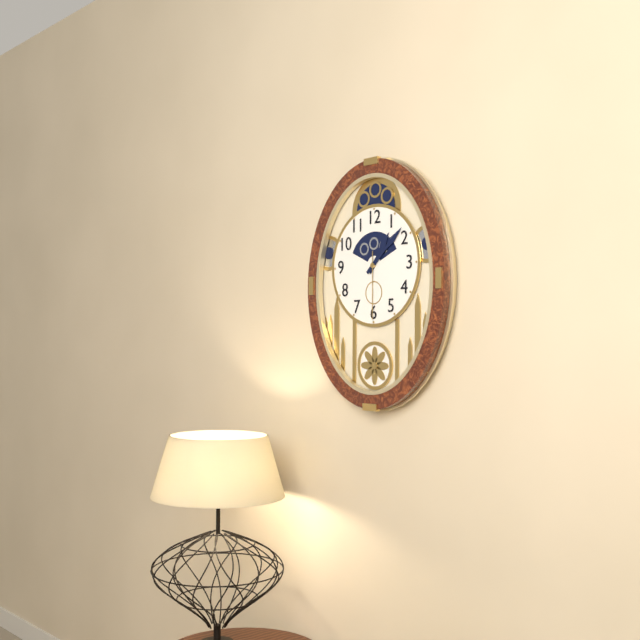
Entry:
1.08.30
